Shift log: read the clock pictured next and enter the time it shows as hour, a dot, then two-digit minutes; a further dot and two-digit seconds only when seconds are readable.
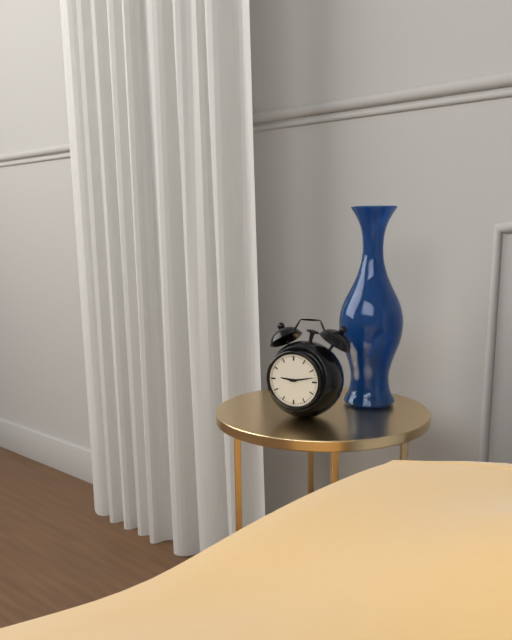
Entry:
9.13
